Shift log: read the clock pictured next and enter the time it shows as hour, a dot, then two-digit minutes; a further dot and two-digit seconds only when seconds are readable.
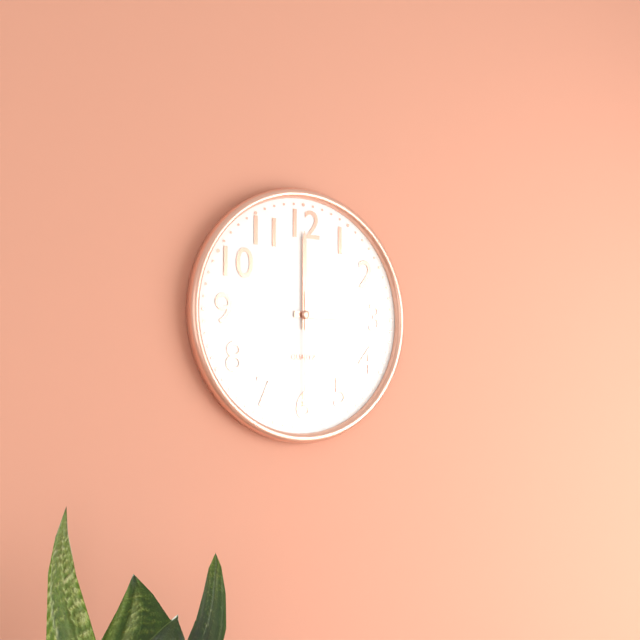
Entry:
3.00.30
